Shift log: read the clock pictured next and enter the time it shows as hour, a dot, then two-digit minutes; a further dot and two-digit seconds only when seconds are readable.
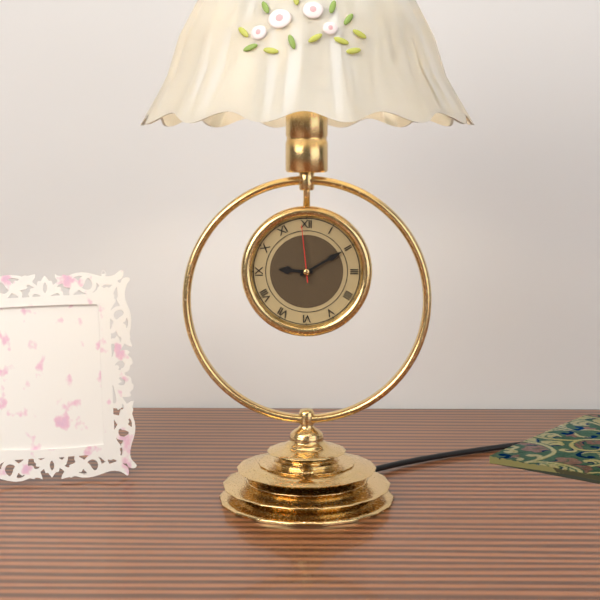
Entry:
9.10.59
